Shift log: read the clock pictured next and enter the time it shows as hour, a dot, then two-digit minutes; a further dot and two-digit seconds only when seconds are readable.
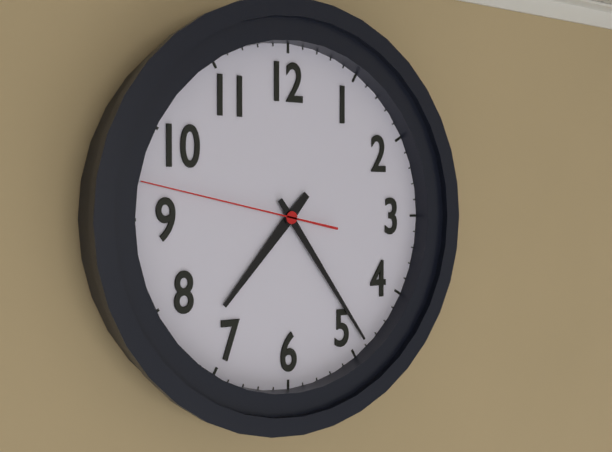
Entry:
7.24.47
